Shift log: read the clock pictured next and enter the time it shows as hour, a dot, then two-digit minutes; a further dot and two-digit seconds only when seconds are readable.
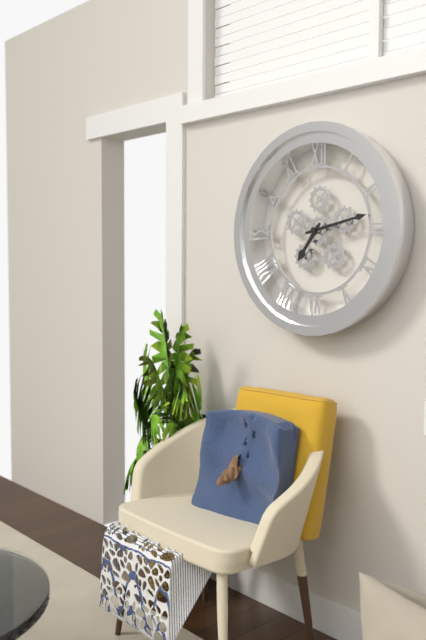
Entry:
7.13
